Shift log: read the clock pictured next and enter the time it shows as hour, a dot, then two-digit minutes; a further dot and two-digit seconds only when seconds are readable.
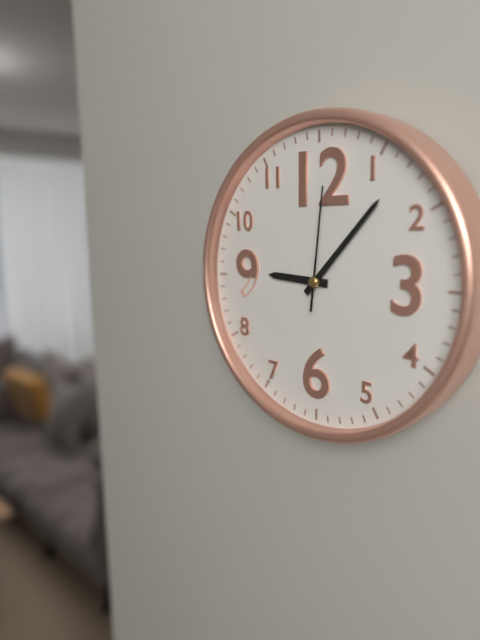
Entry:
9.07.01
